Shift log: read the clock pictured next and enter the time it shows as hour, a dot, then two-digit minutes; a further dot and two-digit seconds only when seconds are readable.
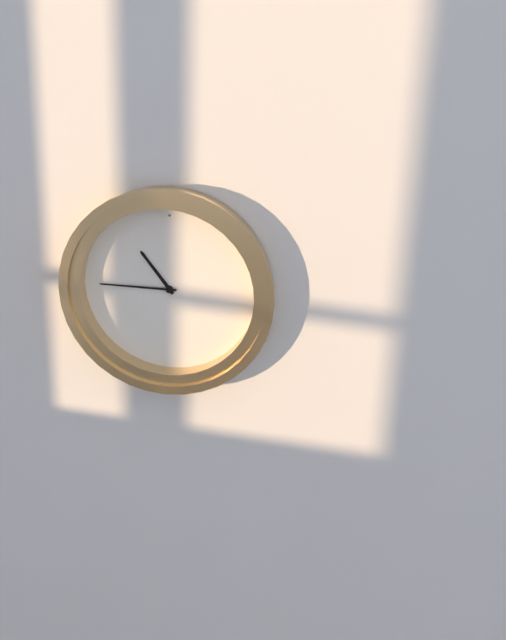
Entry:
10.45
